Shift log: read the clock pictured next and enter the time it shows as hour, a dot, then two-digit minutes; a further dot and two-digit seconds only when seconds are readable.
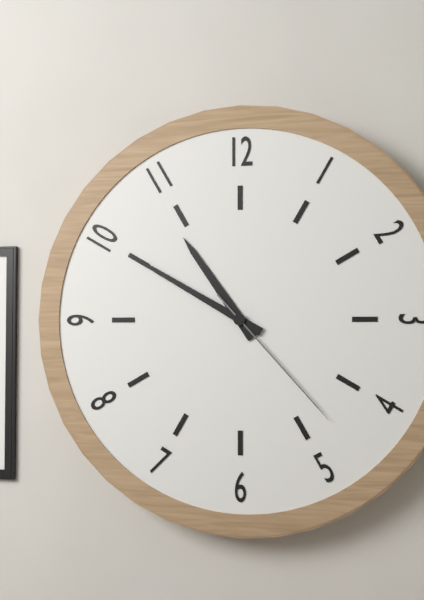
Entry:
10.50.23
